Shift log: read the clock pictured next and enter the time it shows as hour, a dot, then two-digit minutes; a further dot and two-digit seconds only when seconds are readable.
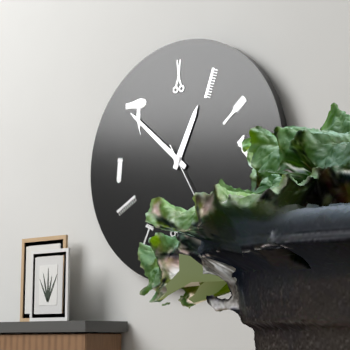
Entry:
12.52
